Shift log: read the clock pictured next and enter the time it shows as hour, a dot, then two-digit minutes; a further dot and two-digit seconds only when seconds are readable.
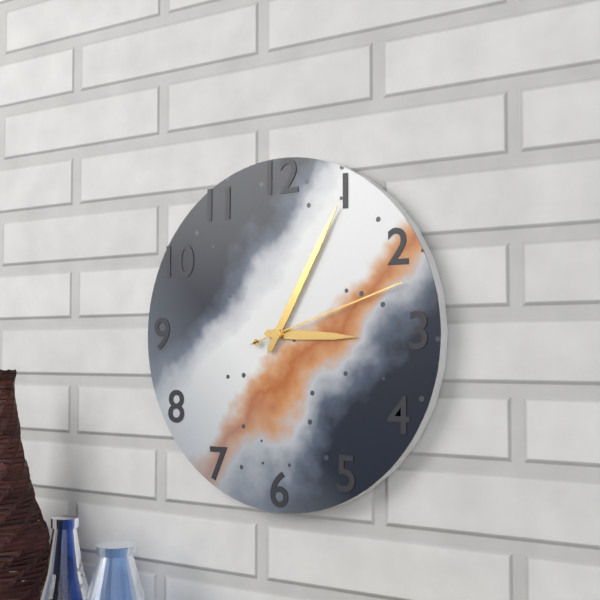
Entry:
3.05.12
